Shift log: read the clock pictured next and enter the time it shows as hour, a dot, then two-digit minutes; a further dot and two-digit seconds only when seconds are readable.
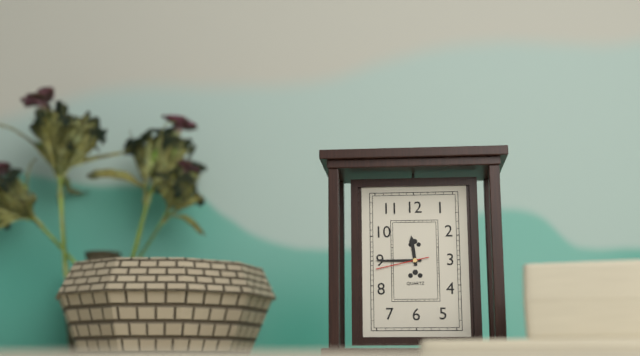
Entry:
11.45.43
